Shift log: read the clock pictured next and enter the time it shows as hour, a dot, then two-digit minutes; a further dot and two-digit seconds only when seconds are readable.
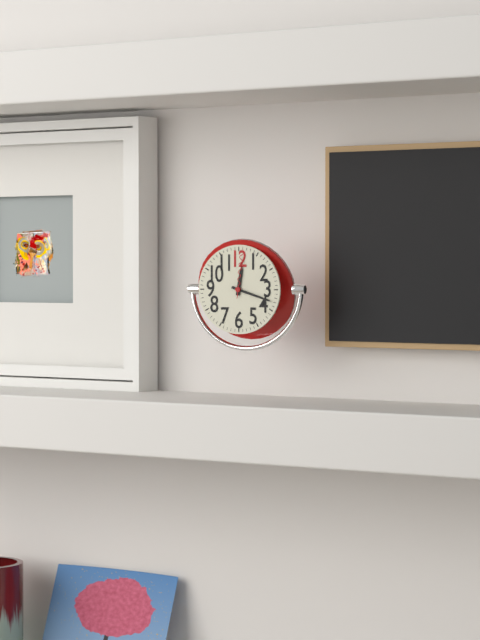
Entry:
12.18
